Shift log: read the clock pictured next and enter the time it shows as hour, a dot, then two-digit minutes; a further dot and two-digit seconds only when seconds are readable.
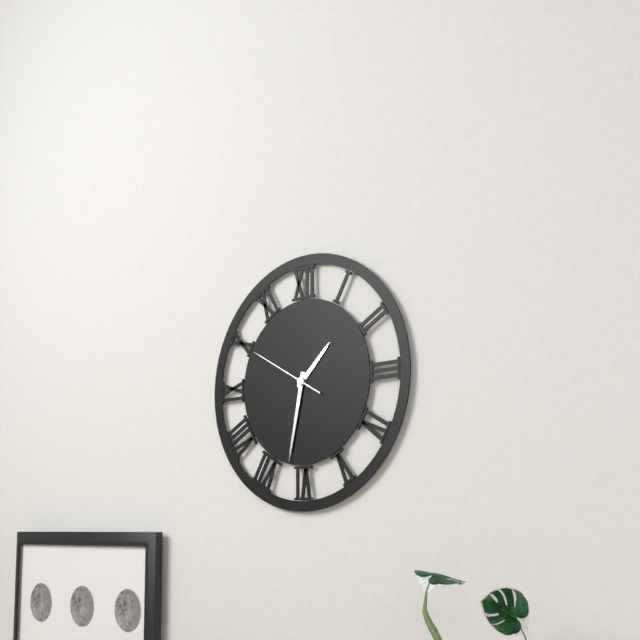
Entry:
1.32.50
